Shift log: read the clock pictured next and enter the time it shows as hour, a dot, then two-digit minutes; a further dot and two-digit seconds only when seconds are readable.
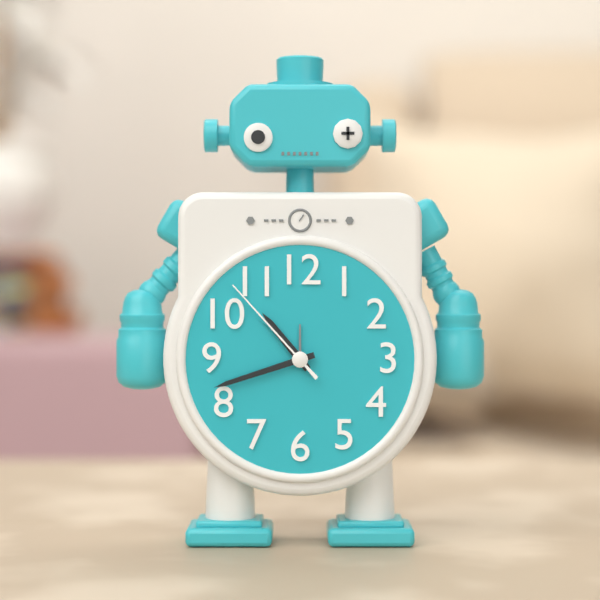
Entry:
10.42.53
